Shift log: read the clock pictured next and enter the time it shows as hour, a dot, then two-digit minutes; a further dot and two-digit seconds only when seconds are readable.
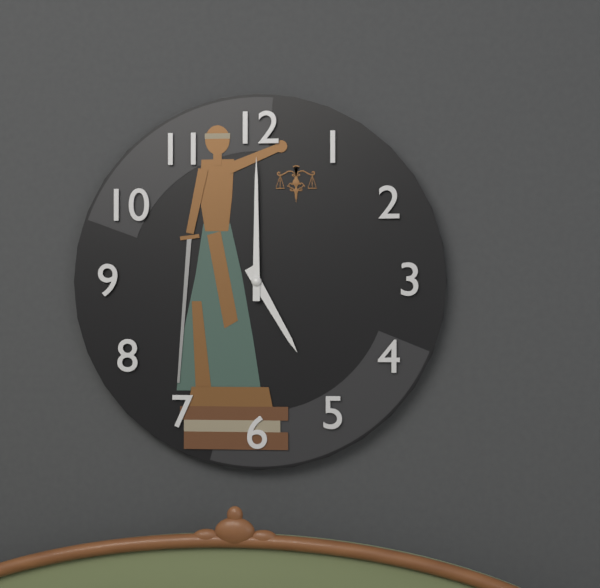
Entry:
5.00
